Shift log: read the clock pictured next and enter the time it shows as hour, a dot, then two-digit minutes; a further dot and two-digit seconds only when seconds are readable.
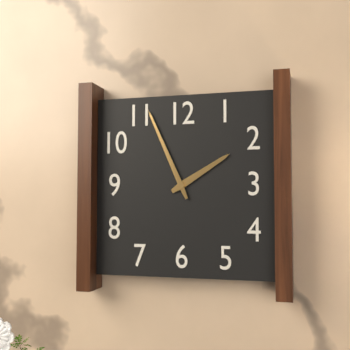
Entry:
1.56
